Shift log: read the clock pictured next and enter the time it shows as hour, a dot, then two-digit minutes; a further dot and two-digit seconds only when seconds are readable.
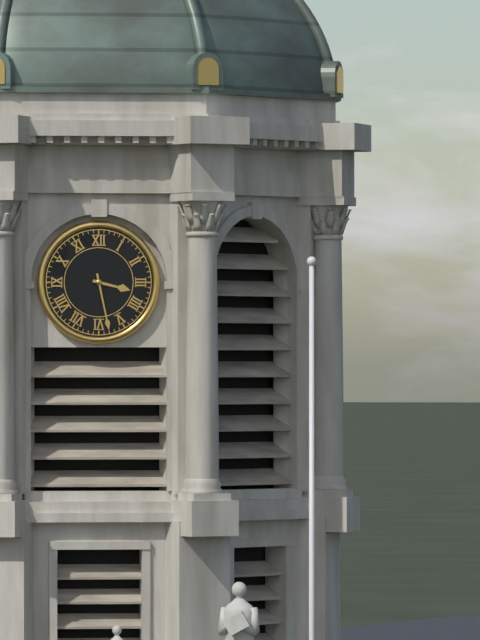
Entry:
3.28
